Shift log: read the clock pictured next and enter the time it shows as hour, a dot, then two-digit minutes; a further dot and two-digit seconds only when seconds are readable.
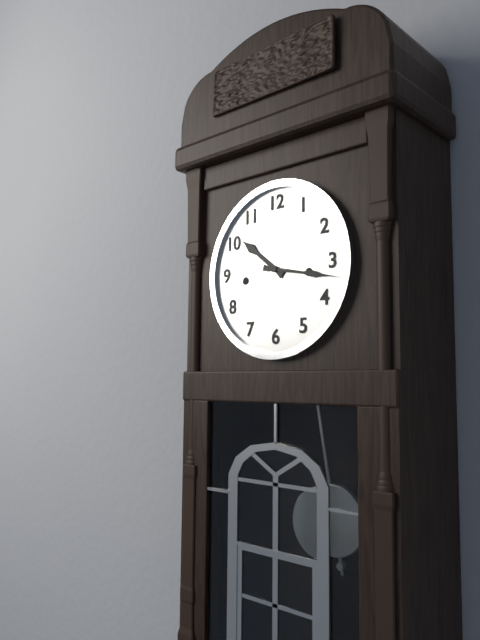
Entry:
10.17
